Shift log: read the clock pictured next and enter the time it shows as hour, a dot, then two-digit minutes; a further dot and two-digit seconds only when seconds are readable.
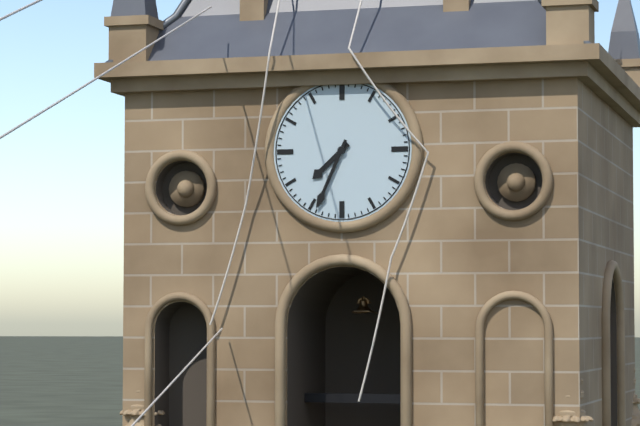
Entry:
7.34
